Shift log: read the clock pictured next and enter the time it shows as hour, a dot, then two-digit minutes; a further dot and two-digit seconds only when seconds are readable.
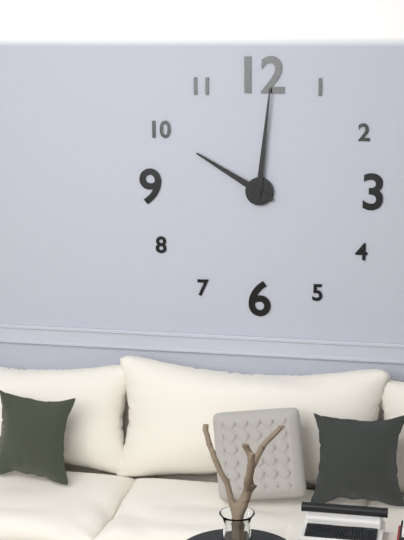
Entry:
10.01
